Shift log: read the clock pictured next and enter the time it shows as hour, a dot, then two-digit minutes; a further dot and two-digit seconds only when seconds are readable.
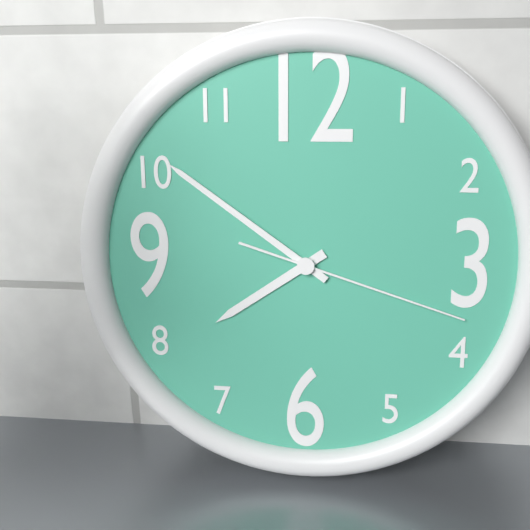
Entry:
7.51.18
